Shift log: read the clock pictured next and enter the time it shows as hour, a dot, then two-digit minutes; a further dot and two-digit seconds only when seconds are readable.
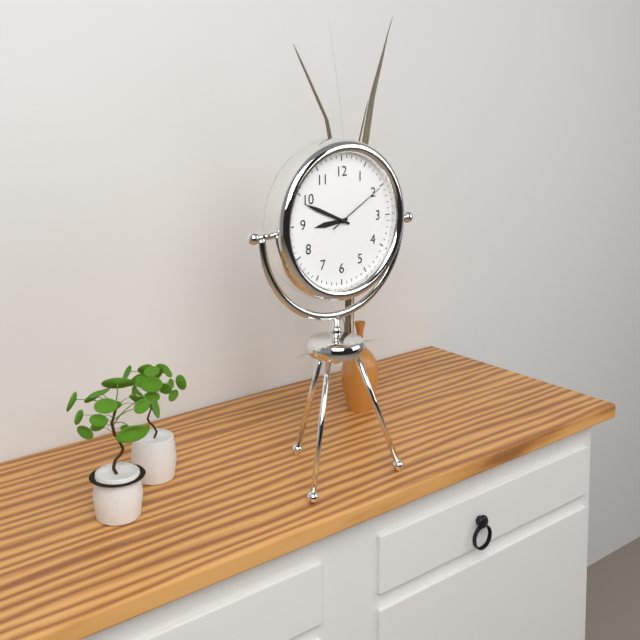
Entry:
8.49.10
